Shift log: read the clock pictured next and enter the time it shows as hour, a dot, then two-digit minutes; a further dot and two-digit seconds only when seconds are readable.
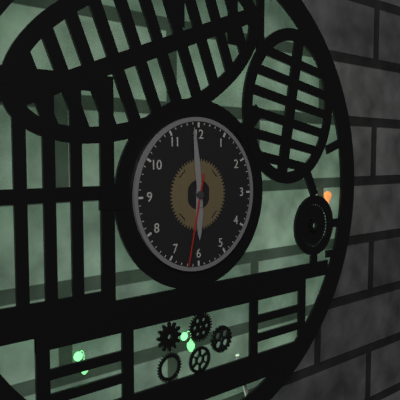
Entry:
5.59.32
